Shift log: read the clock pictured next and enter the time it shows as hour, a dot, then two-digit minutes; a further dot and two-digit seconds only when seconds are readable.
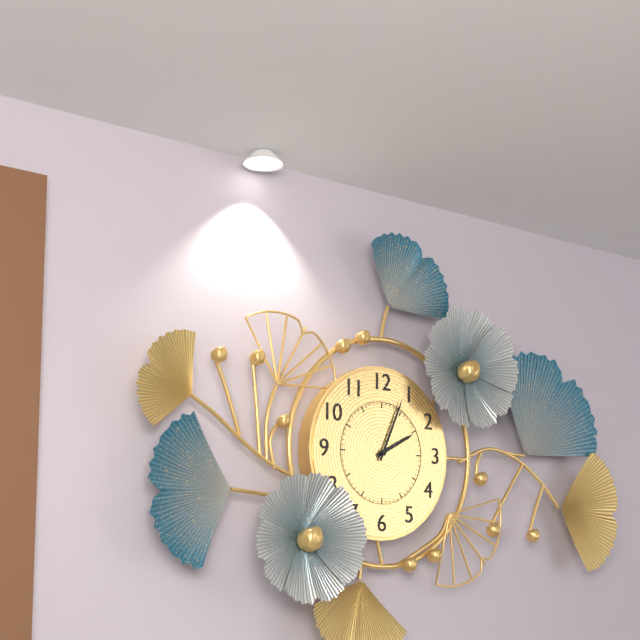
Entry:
2.04
